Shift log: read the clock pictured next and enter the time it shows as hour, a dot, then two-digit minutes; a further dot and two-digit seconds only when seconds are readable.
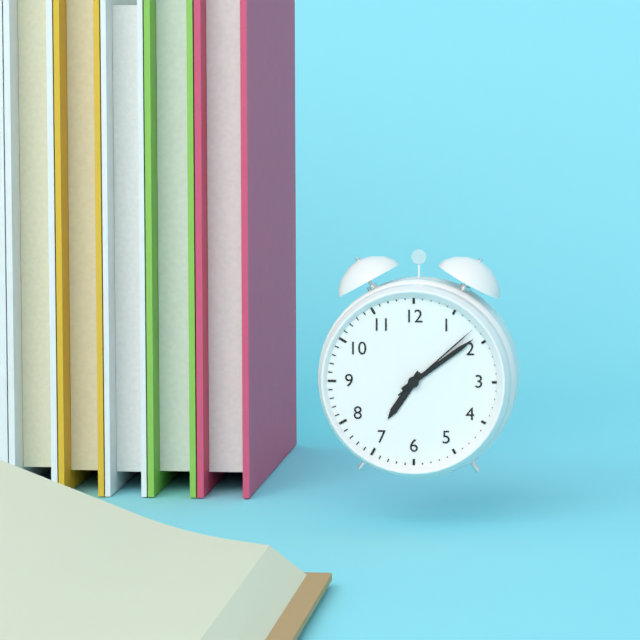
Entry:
7.09.08
